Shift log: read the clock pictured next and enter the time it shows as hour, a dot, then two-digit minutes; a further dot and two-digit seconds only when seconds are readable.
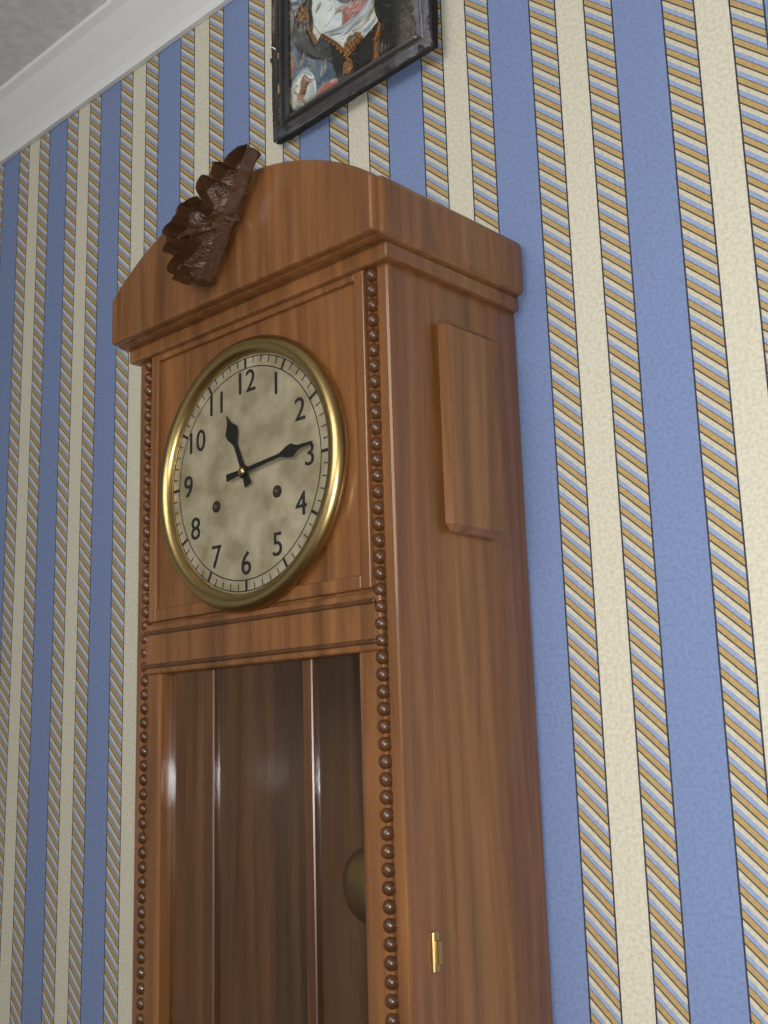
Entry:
11.14
